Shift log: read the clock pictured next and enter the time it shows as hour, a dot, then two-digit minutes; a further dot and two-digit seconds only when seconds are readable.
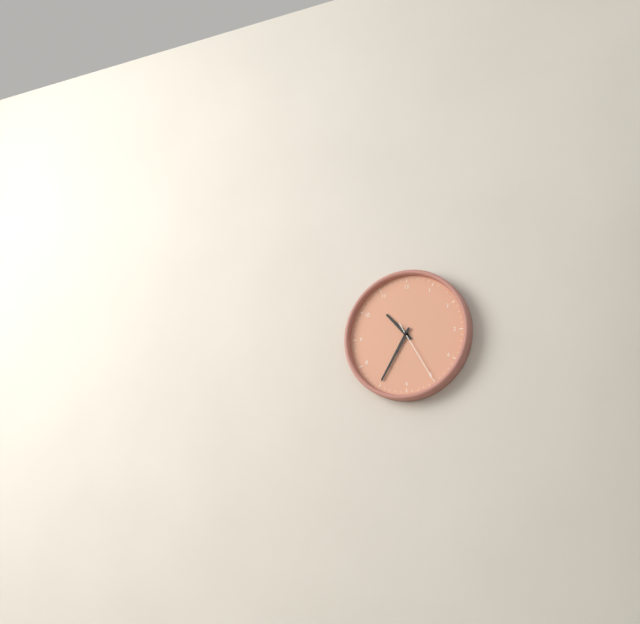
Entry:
10.35.25
